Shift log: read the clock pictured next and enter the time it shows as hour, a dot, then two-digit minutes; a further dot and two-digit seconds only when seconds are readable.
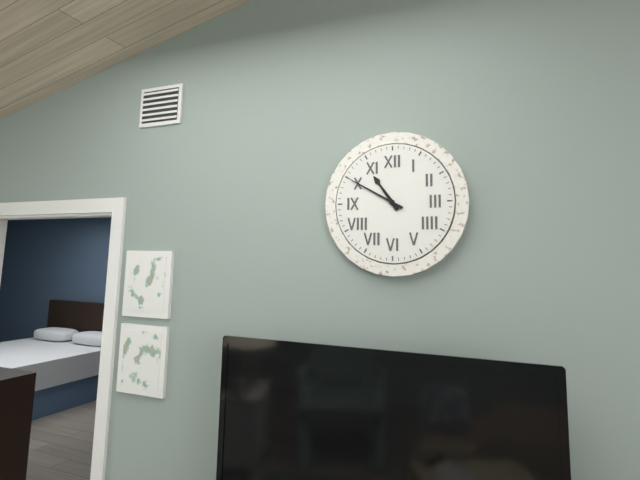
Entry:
10.50
